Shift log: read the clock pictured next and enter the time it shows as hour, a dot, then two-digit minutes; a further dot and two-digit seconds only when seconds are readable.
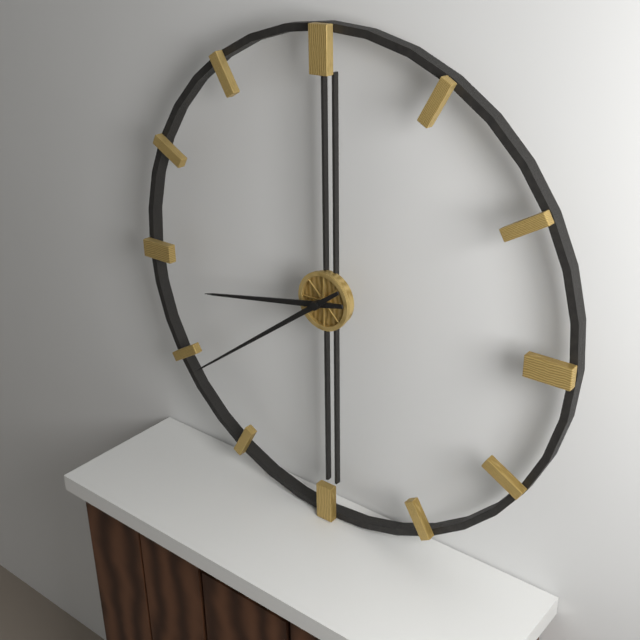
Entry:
8.39
